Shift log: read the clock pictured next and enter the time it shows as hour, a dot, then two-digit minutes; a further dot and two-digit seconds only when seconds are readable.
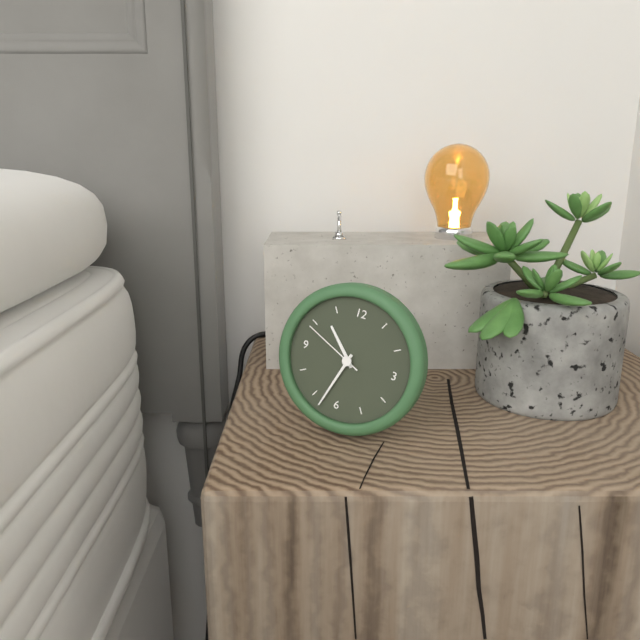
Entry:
10.33.49
